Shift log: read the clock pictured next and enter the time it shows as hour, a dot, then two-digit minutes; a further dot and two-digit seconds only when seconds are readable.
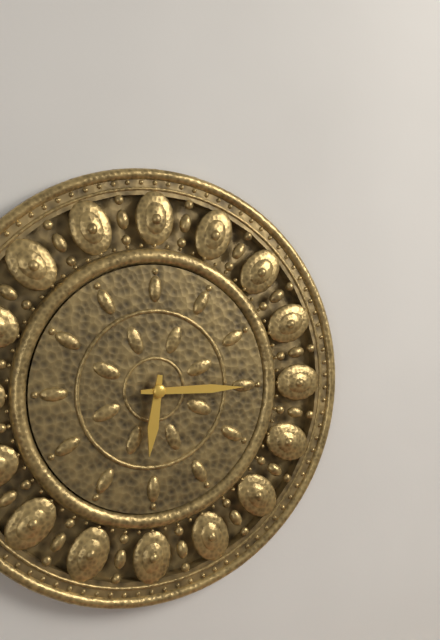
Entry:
6.15
